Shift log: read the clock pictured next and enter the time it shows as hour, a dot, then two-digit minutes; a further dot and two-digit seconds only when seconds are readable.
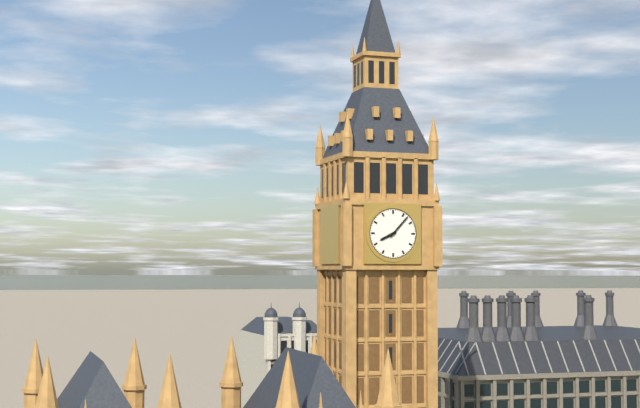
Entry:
8.07
